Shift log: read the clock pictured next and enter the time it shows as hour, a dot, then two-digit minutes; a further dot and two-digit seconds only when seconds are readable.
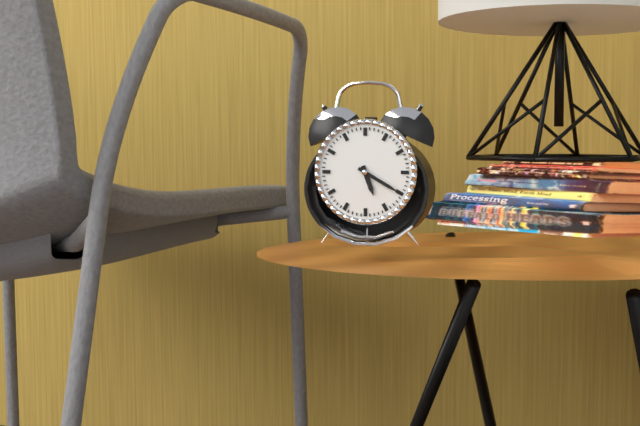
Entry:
5.20
